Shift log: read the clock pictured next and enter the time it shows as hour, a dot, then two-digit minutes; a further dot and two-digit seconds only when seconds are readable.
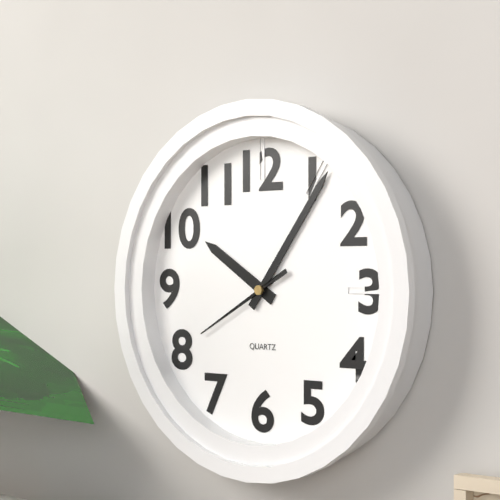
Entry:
10.06.40
